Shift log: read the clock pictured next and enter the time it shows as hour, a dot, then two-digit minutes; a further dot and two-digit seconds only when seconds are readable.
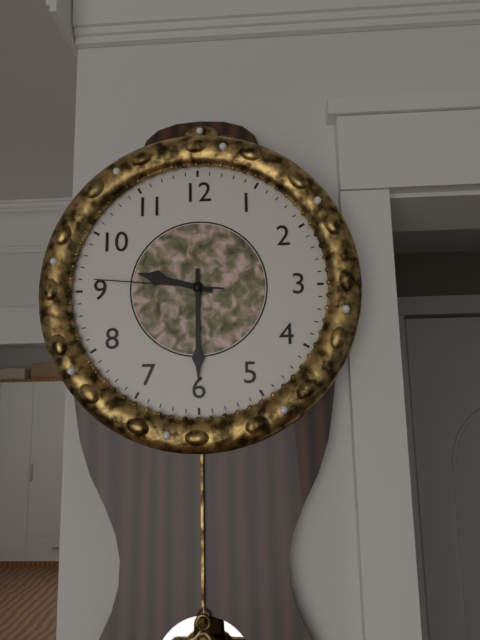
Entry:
9.30.46
